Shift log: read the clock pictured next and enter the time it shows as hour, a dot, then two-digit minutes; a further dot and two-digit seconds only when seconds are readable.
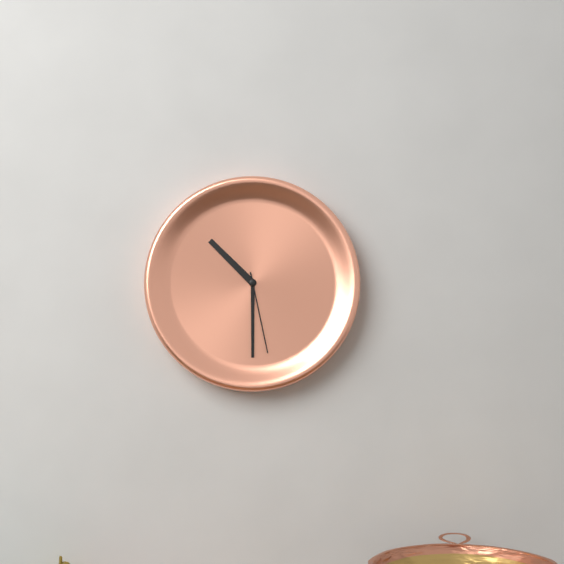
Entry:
10.30.28
